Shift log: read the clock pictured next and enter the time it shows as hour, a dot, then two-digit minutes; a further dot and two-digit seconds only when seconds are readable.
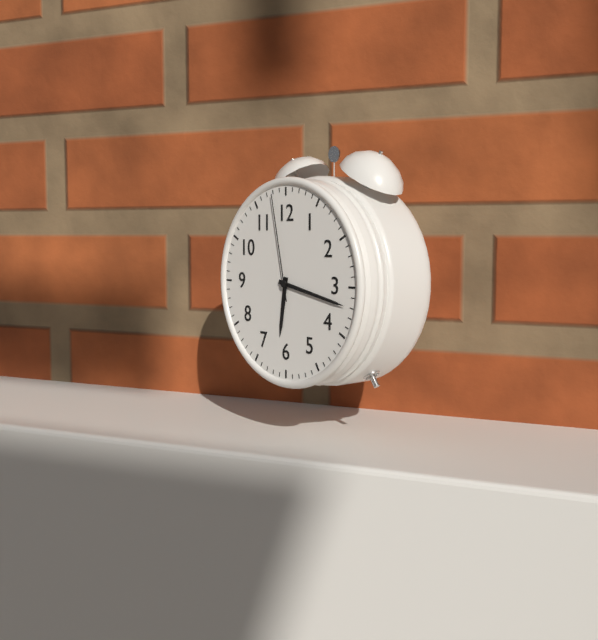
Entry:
6.17.58
